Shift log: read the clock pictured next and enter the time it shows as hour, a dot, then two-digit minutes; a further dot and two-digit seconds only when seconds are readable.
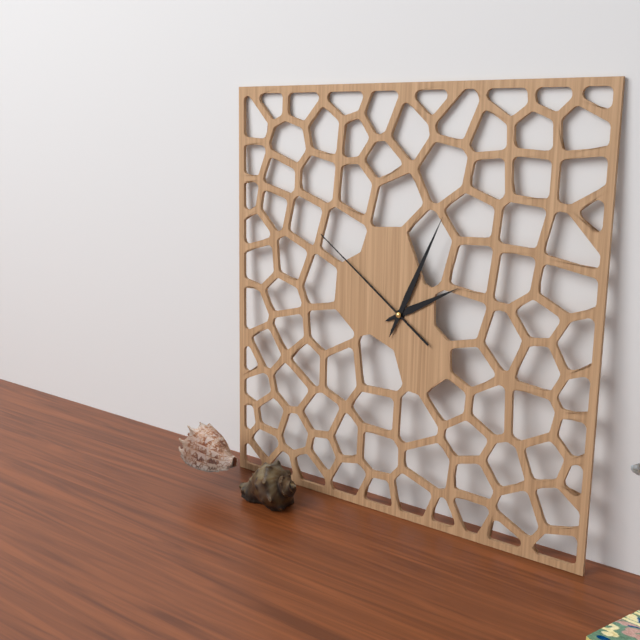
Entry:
2.04.51
